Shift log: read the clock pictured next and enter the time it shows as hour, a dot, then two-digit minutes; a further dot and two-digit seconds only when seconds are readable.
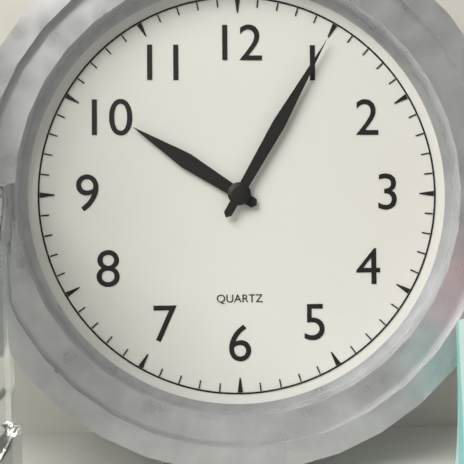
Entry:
10.05
